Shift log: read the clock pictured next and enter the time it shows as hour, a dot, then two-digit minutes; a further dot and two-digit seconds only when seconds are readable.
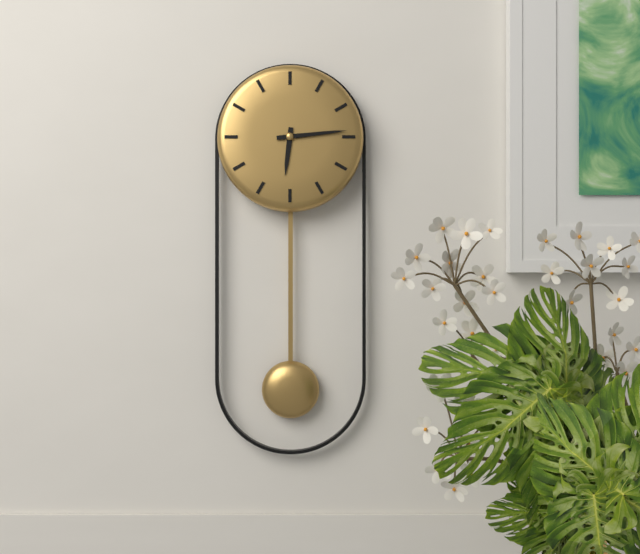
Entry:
6.14
